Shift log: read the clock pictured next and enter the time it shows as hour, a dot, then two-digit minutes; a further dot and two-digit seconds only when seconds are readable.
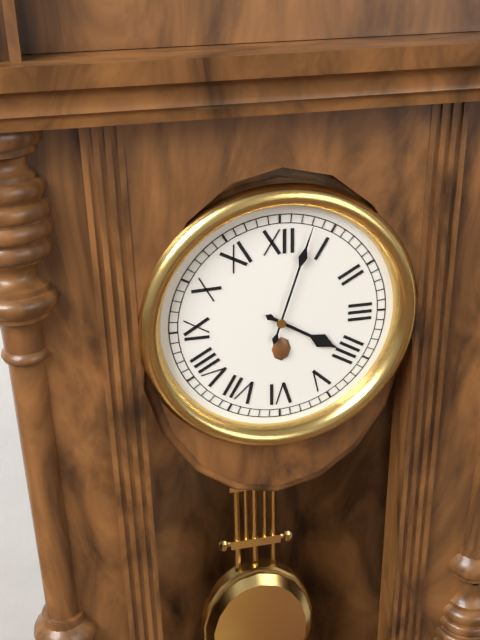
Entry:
4.03
